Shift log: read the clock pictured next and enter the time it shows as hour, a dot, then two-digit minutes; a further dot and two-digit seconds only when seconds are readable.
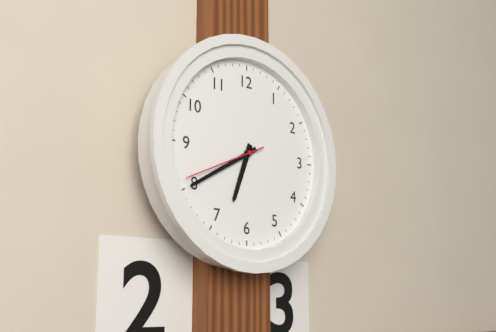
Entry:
6.40.41
